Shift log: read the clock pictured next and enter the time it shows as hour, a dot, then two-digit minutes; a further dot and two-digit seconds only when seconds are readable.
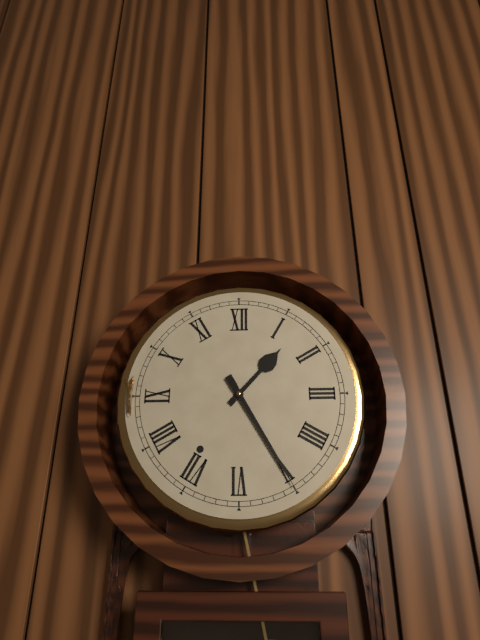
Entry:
1.25
